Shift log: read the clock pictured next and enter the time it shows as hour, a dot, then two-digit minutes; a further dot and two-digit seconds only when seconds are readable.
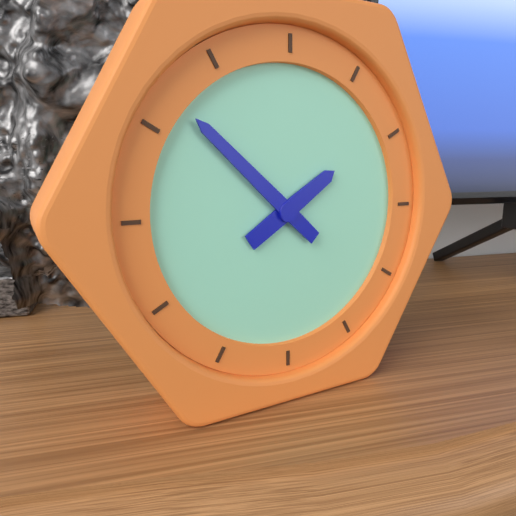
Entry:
1.52
